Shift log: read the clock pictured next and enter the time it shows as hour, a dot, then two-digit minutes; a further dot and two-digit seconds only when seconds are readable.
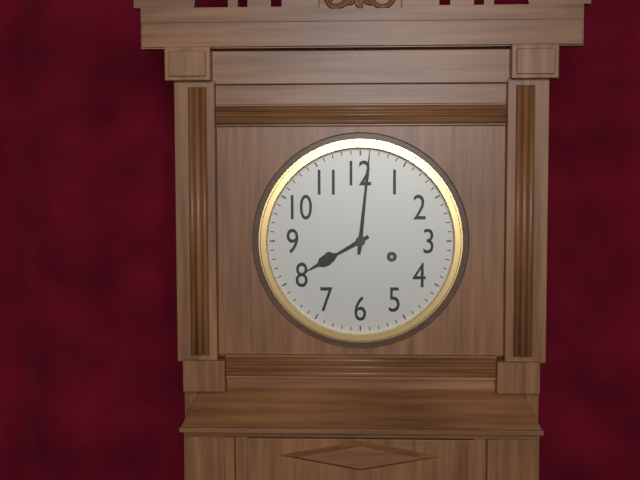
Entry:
8.01
